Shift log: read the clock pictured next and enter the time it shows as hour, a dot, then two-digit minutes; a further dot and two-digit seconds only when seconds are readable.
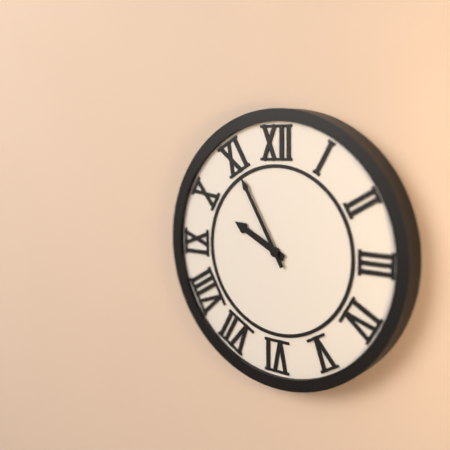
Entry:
9.55
